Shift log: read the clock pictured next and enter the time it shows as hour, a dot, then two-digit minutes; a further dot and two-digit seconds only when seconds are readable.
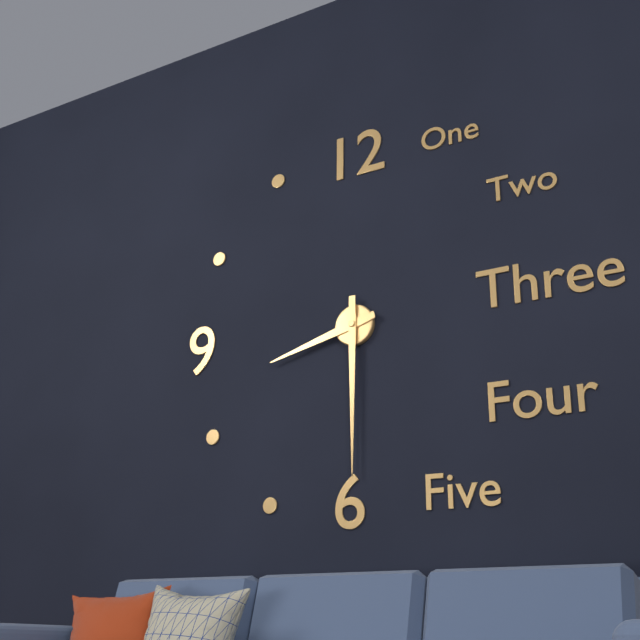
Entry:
8.30
